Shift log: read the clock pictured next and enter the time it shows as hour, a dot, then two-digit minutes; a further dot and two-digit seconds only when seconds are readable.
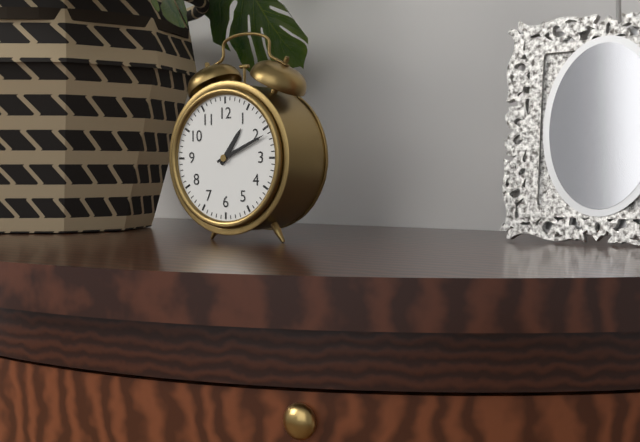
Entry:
1.11
